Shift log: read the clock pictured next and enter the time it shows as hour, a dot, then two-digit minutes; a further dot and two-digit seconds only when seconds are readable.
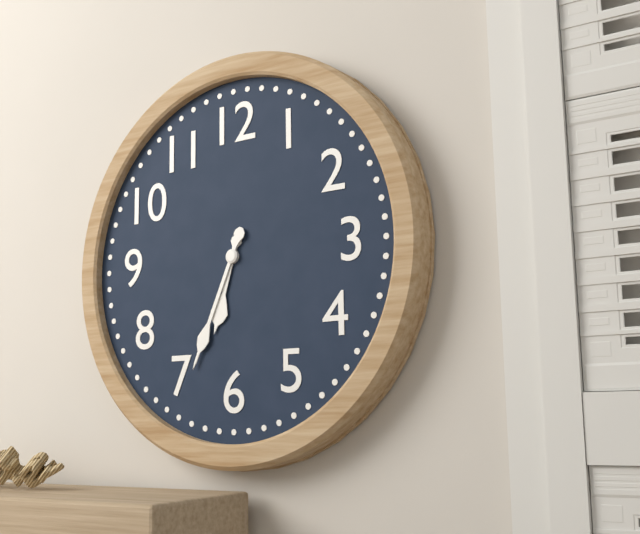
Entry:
6.34
